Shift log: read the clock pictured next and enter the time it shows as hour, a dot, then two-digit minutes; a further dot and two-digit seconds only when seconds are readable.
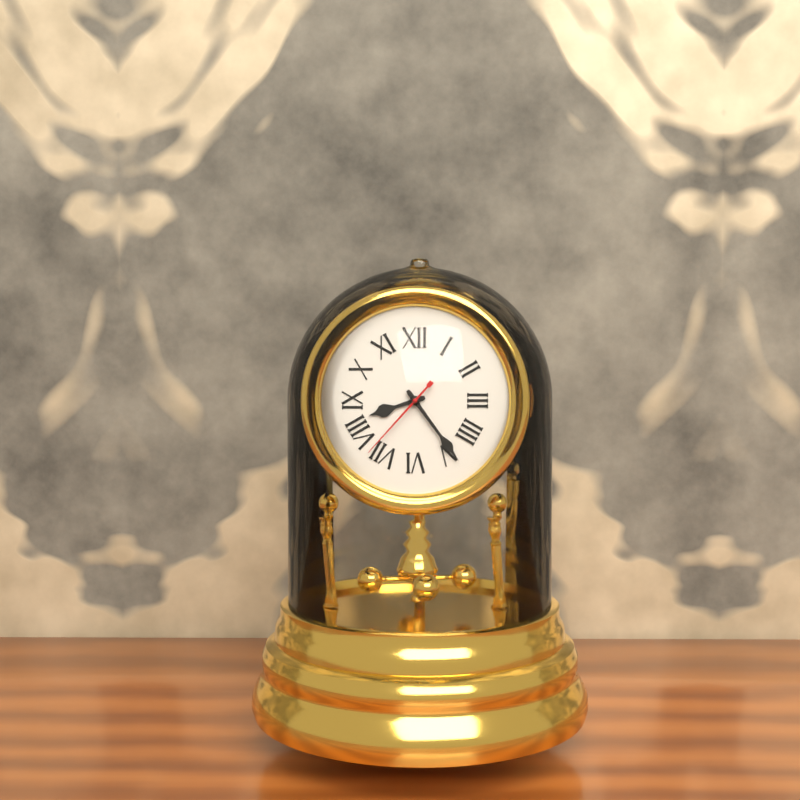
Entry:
8.24.37
